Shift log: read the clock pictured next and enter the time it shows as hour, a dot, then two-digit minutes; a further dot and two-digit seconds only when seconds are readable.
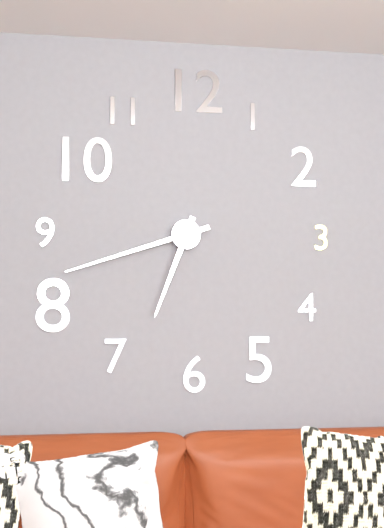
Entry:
6.42
